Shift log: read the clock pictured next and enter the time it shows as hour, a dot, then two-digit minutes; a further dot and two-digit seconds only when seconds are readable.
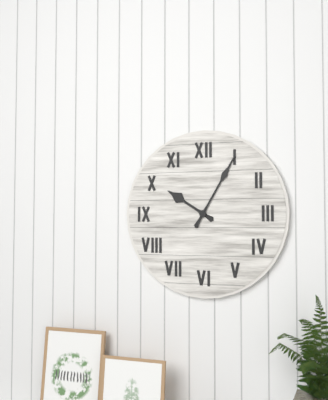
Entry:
10.05
